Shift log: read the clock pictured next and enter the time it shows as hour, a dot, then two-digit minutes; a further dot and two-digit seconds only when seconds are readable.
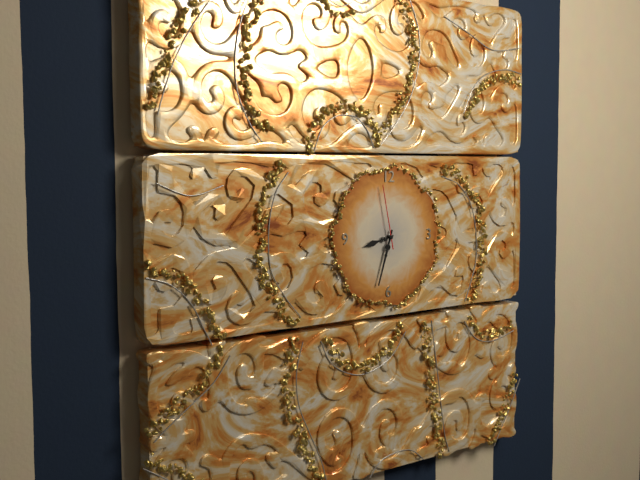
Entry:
8.33.58
